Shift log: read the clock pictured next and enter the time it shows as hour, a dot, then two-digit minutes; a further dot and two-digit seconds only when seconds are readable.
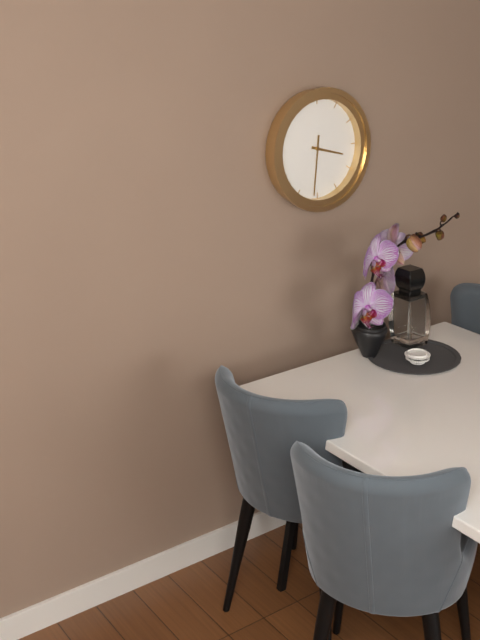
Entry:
3.31
